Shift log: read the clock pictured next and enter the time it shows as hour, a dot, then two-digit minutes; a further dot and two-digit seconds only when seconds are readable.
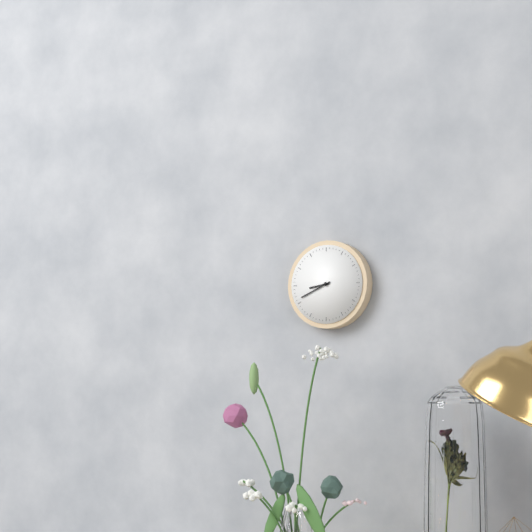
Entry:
8.41
